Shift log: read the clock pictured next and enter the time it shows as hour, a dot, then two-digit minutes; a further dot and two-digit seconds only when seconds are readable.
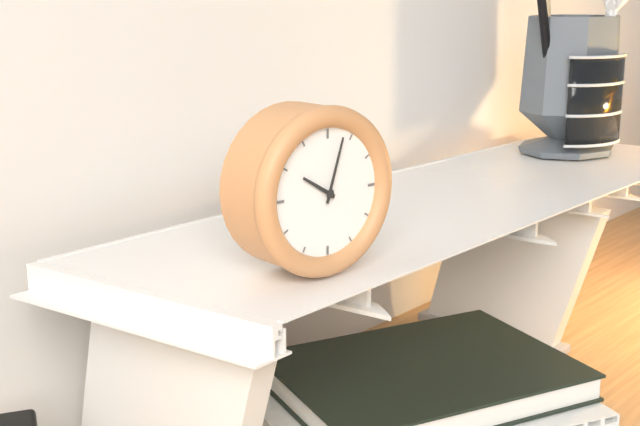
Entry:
10.03
